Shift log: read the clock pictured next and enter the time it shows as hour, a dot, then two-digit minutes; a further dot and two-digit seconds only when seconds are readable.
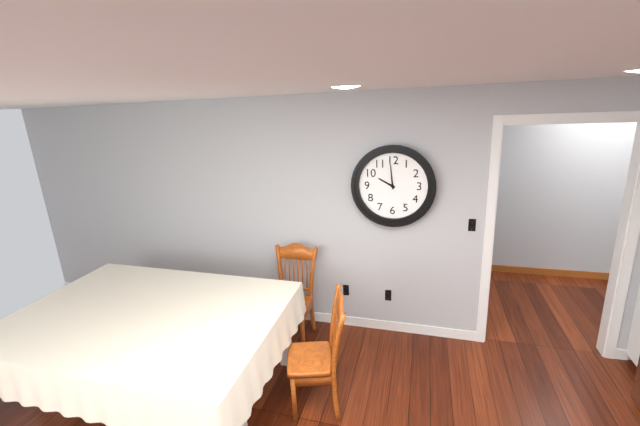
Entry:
9.59
